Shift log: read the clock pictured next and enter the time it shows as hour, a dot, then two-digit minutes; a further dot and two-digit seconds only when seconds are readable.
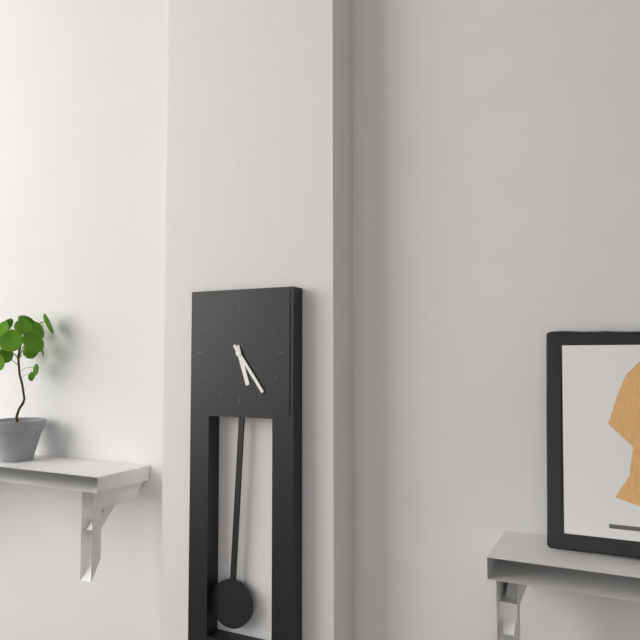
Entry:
5.24
